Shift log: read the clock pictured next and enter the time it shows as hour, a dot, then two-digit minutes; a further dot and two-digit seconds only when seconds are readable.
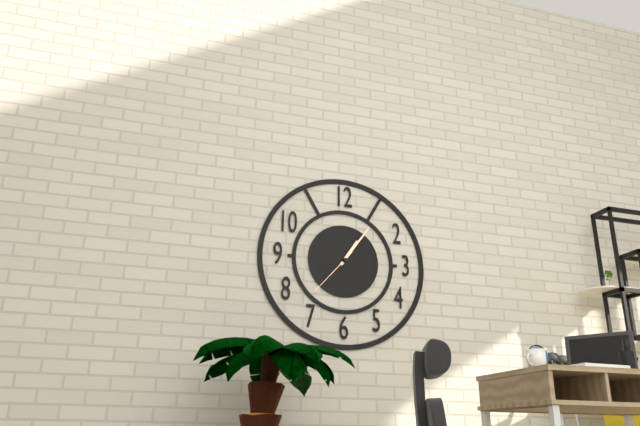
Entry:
1.06.37
